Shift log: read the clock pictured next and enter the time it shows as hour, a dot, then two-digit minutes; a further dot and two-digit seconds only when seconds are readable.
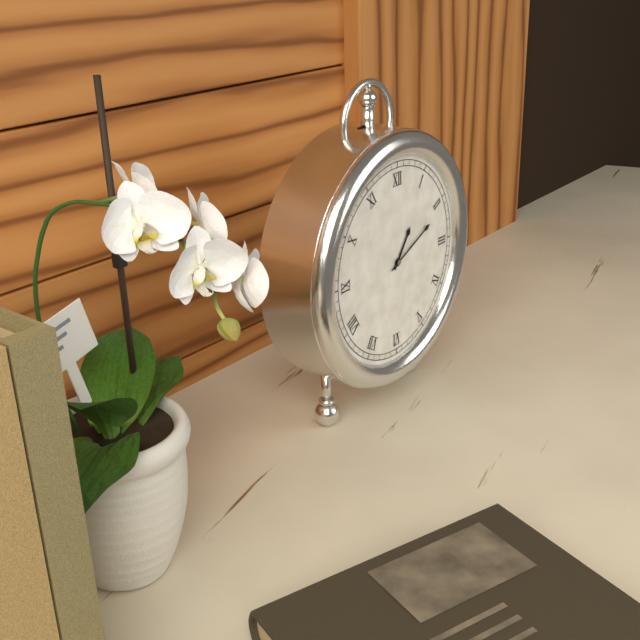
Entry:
1.11
